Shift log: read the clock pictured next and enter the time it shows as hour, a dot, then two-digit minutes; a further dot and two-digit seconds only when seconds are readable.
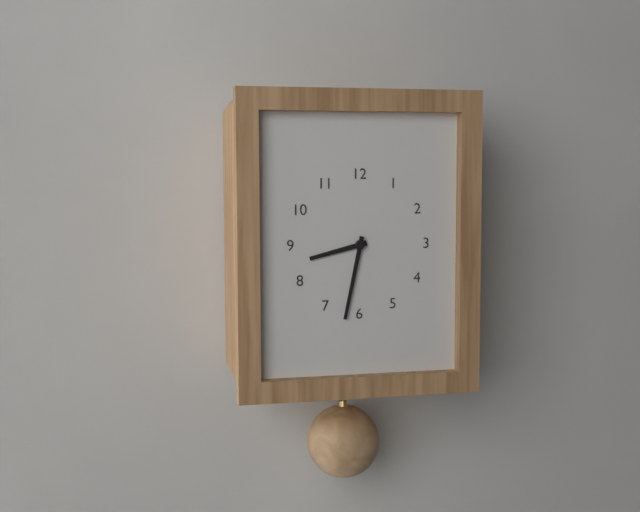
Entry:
8.32
